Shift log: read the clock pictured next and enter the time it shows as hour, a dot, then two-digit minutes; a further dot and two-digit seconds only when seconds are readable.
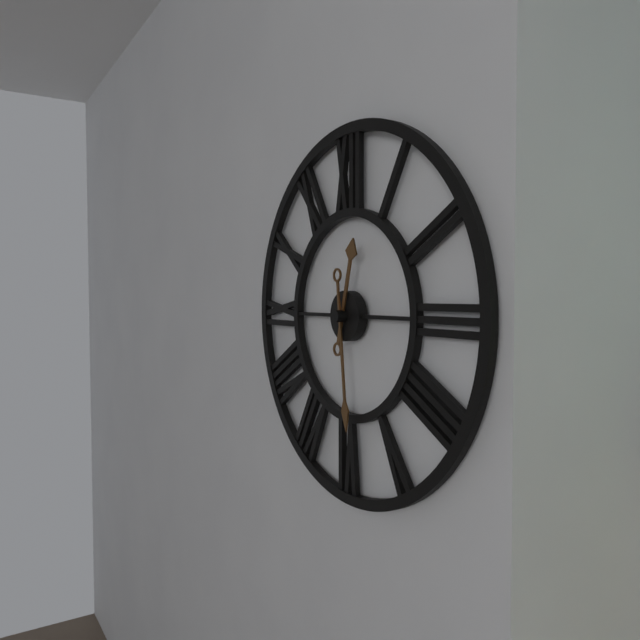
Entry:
12.29
